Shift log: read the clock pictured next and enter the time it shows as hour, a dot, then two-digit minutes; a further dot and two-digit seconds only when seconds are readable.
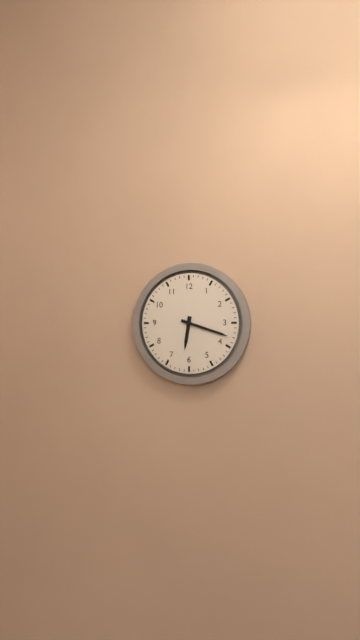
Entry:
6.18
